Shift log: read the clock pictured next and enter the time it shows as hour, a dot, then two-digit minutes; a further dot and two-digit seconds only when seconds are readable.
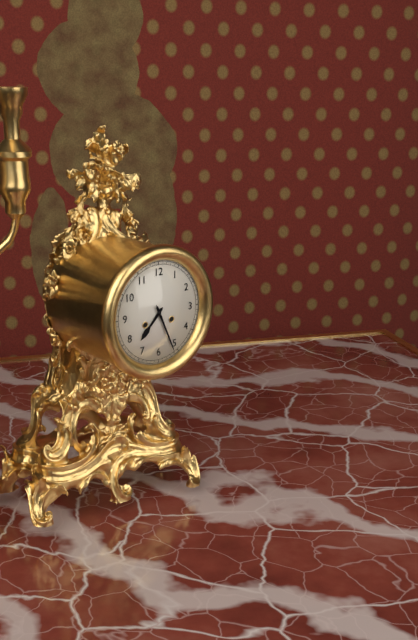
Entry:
7.26
